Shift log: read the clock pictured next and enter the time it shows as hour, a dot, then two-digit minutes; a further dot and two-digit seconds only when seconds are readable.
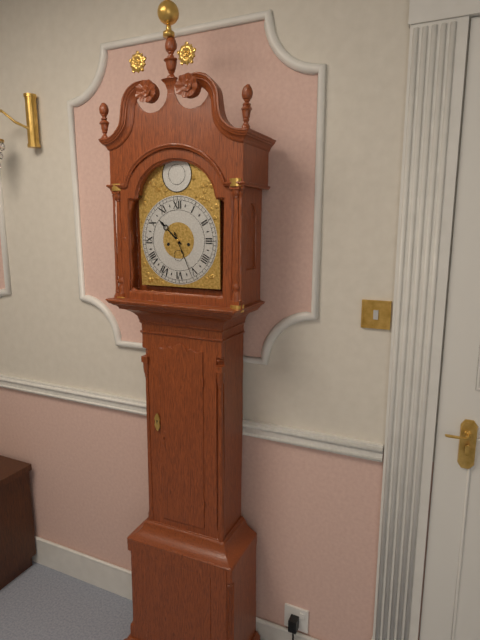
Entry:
10.26
